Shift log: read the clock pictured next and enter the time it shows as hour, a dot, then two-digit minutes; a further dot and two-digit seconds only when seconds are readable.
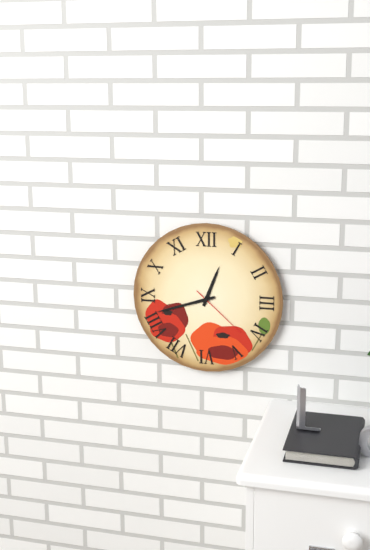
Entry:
12.42.22
